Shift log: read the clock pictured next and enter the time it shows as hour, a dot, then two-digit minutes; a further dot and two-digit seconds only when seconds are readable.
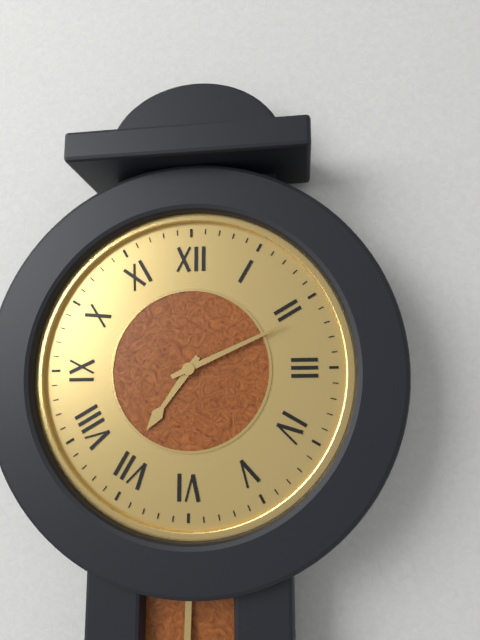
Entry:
7.11
